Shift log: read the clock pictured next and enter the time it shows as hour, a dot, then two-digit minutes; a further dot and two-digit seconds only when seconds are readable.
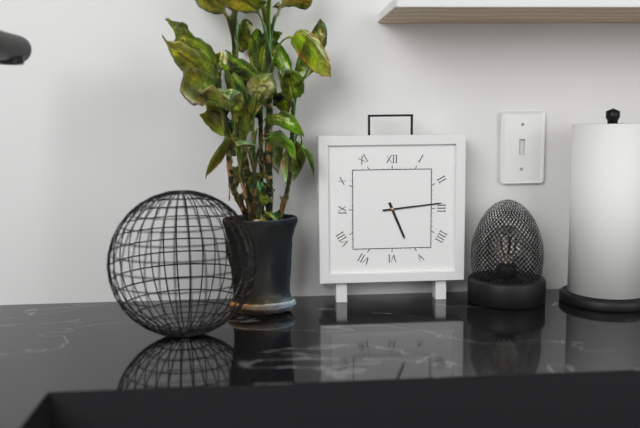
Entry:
5.14
